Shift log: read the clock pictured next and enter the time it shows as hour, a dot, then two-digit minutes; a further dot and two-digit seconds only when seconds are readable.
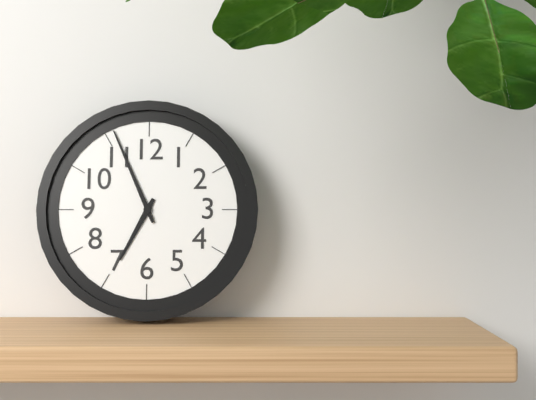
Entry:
6.56
